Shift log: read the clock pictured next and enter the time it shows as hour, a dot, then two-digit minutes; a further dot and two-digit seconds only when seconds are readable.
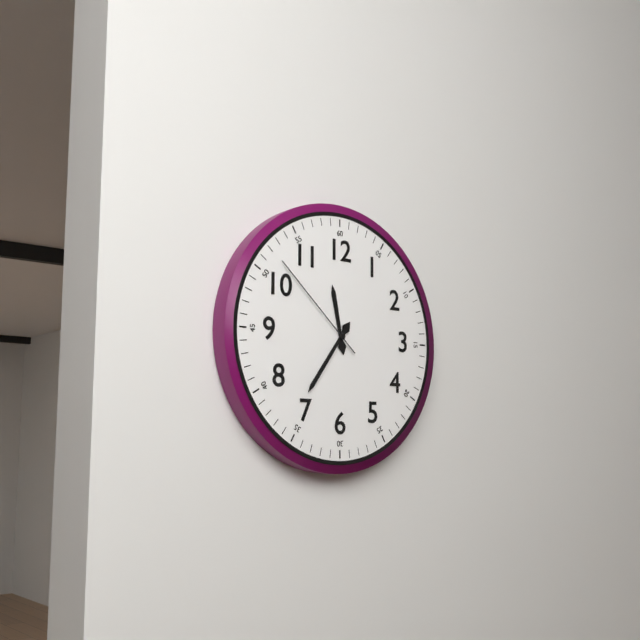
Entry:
11.36.52
